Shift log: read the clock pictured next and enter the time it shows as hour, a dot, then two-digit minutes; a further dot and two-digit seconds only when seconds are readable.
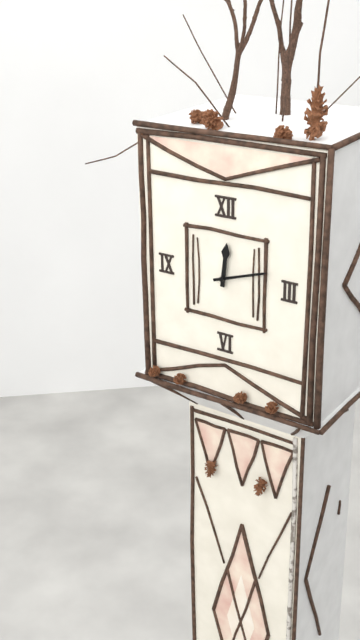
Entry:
12.12
